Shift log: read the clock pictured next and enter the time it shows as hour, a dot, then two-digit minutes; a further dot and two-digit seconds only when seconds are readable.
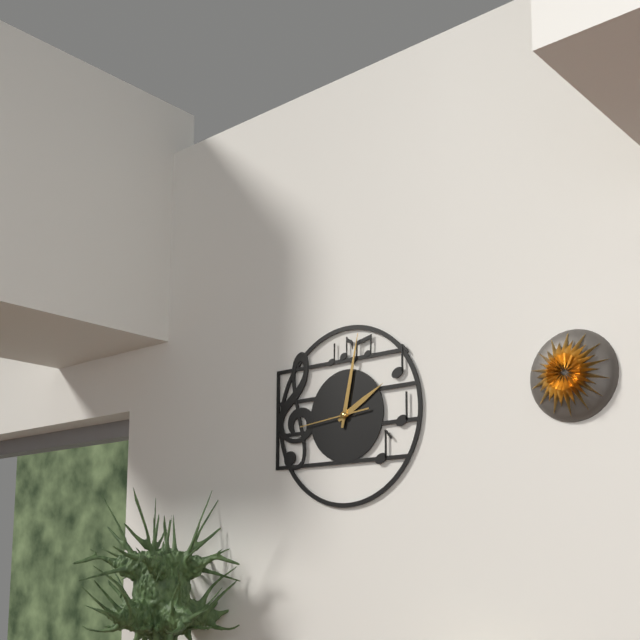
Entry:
2.02.44
